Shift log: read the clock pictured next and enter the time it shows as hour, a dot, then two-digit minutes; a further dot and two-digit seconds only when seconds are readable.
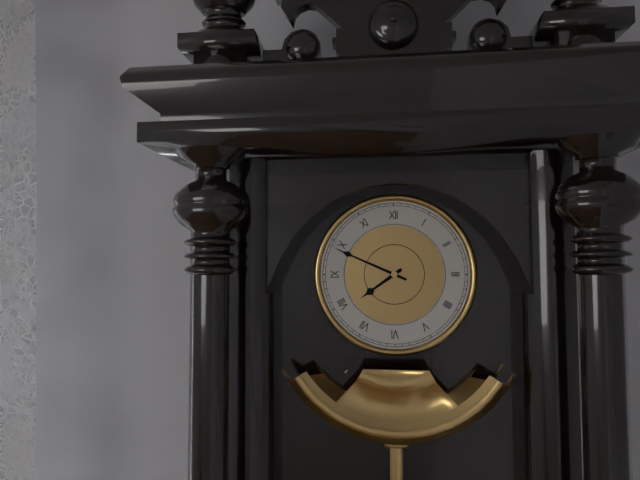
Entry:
7.49
